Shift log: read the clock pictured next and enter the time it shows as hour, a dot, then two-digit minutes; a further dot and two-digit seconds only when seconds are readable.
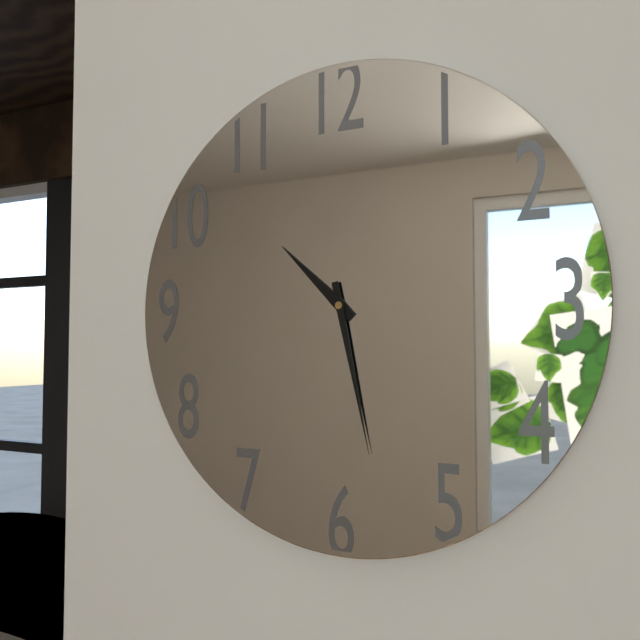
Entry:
10.28
